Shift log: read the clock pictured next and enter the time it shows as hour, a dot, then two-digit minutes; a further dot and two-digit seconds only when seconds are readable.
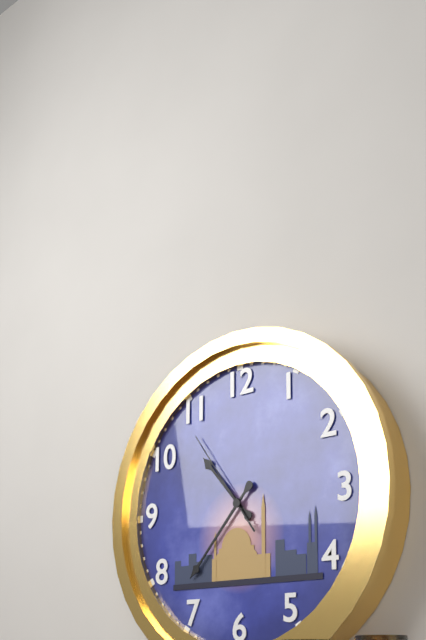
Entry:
10.37.54
